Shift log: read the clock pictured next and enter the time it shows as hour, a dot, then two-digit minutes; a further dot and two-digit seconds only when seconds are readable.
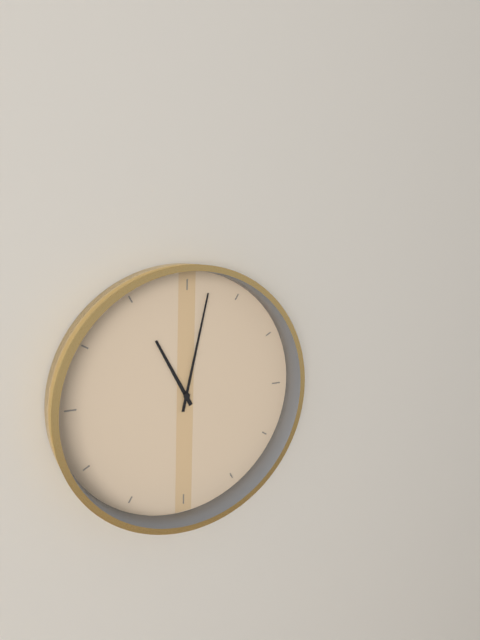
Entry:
11.02
